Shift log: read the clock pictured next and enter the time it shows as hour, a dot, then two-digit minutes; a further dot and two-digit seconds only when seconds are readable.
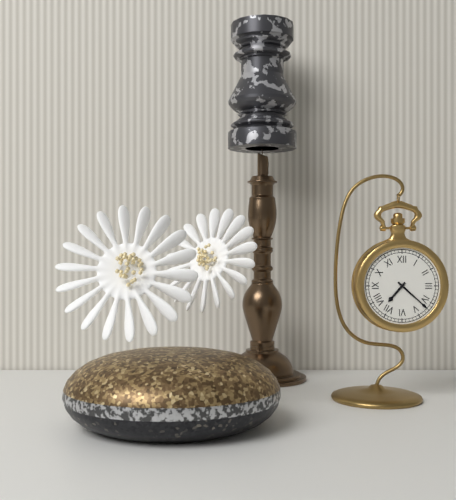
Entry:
7.22
